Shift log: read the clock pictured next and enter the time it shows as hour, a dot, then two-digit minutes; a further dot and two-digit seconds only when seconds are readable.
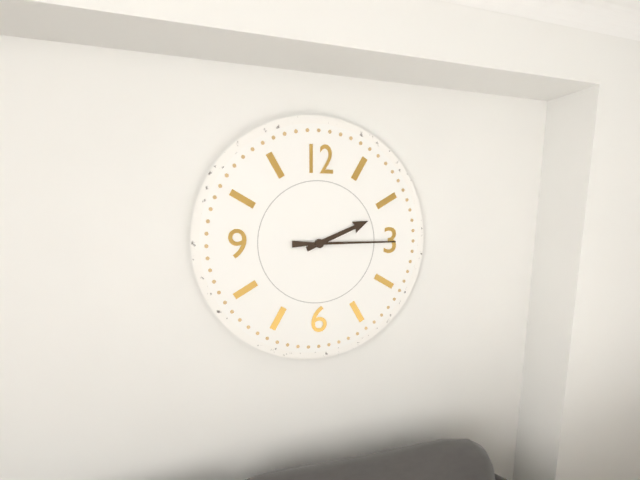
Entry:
2.15
